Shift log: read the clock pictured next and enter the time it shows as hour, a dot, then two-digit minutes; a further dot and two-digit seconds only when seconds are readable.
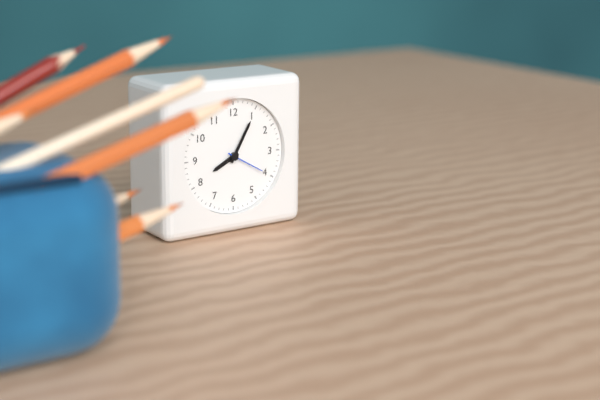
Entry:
8.05
